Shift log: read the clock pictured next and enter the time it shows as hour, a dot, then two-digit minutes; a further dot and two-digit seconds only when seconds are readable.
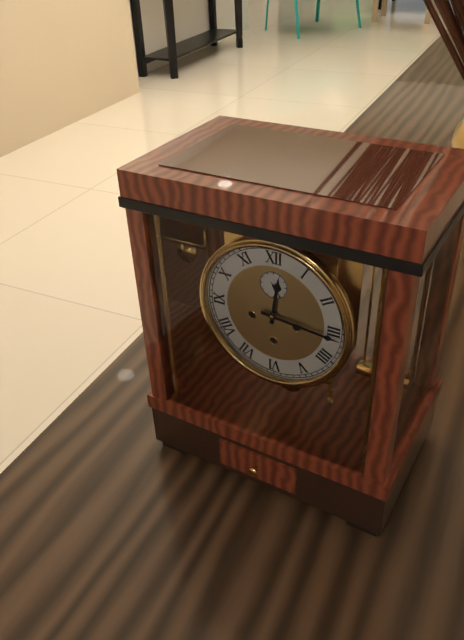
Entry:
12.16
